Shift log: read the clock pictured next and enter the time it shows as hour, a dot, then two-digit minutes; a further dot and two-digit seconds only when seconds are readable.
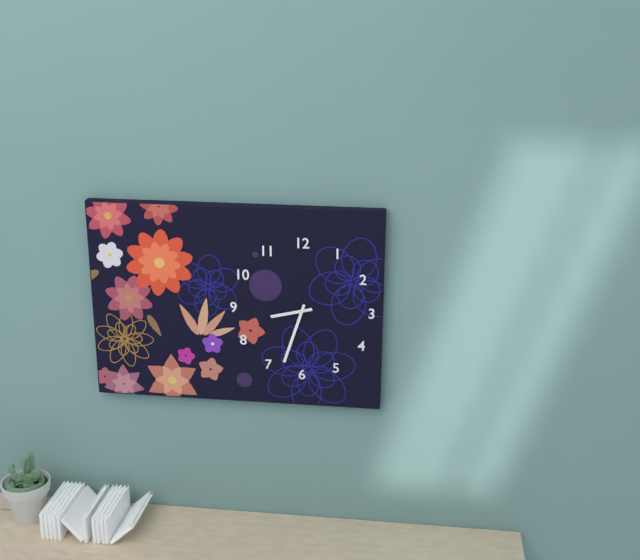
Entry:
8.33
